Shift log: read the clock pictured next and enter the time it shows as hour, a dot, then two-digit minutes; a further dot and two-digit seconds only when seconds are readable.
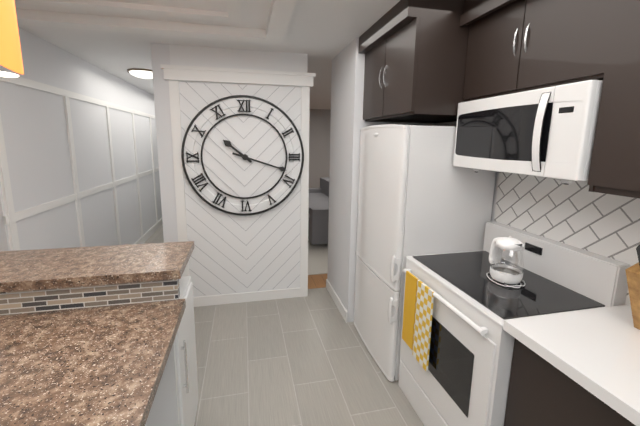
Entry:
10.18
